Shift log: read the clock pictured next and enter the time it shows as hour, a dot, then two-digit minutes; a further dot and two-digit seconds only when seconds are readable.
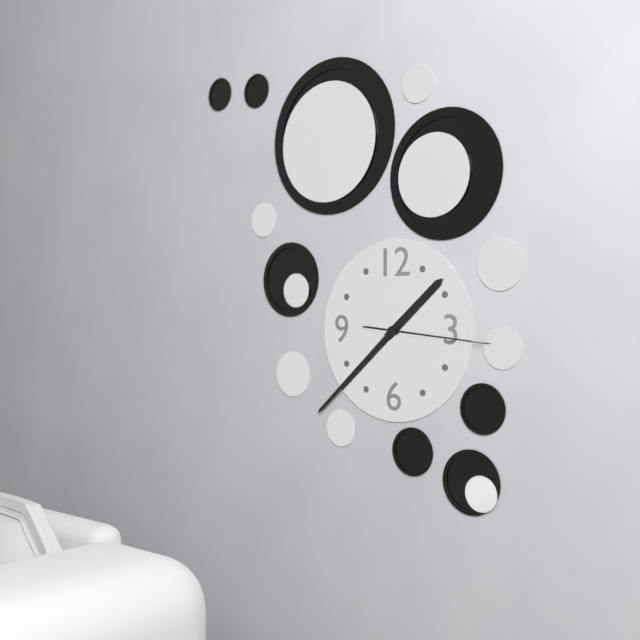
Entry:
1.38.16
